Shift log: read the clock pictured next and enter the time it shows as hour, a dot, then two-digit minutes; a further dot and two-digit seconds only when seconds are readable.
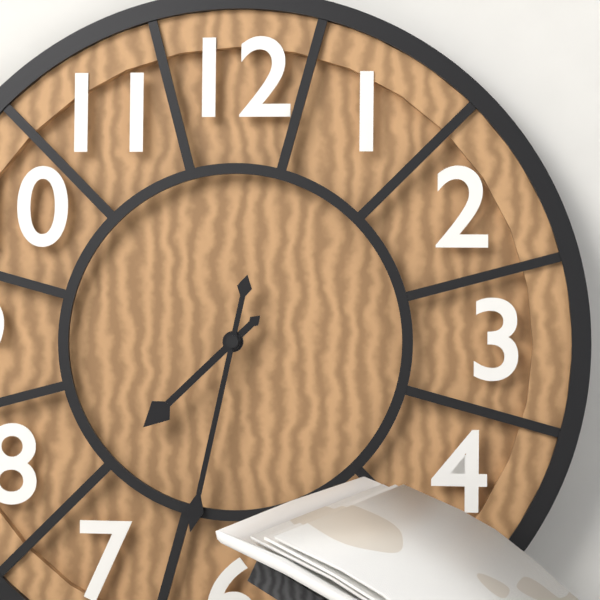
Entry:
7.32
